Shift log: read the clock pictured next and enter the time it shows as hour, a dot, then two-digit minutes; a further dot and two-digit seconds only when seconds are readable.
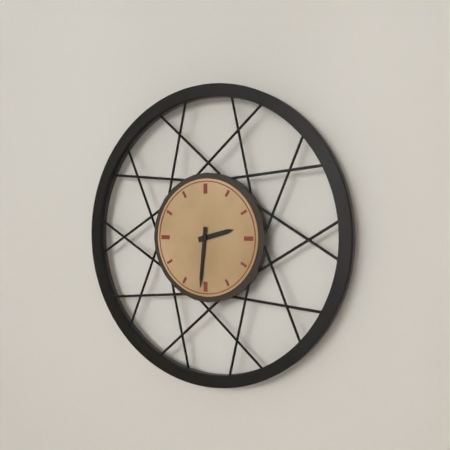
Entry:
2.31
